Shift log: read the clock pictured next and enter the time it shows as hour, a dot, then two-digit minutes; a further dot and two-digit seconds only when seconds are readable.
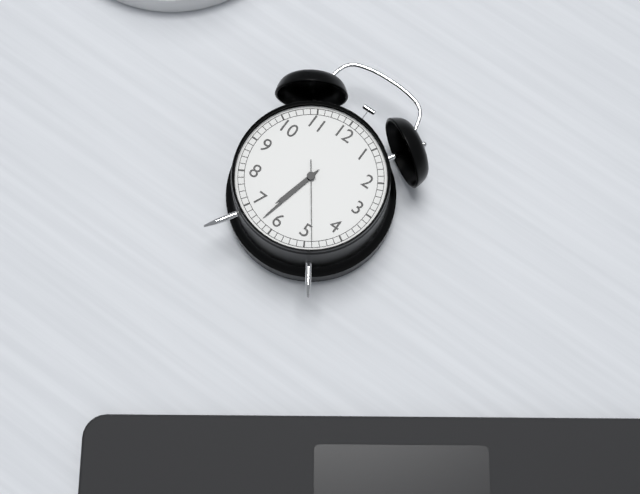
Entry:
6.32.24
